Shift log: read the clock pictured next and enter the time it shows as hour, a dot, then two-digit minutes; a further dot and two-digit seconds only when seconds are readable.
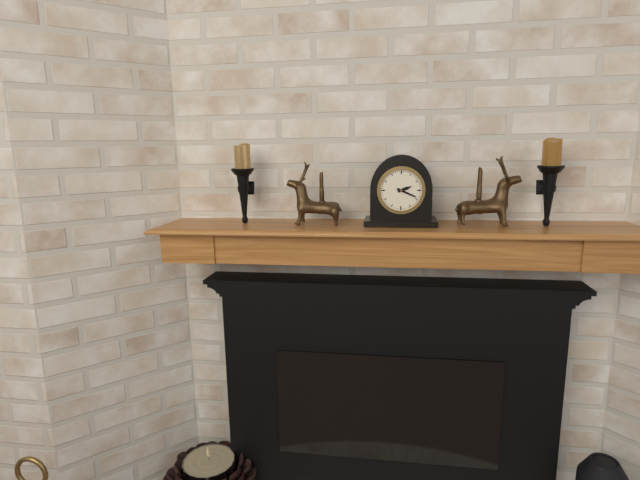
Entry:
2.19
